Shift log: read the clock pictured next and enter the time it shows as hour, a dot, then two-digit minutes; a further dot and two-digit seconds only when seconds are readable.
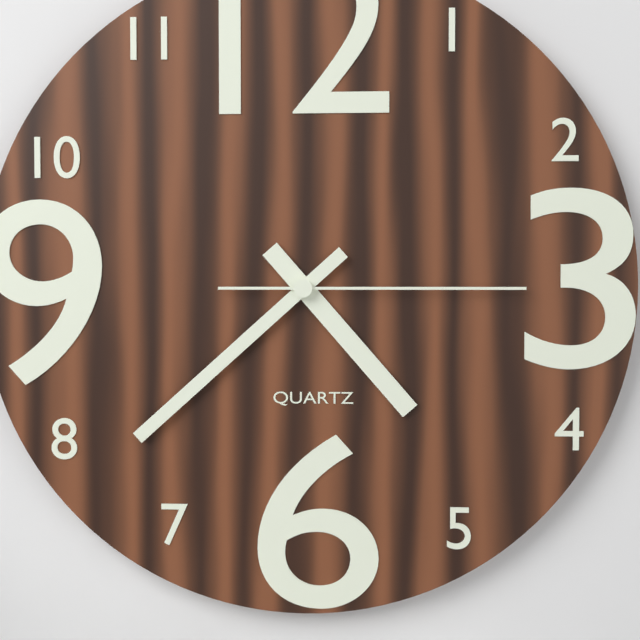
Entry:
4.38.15
